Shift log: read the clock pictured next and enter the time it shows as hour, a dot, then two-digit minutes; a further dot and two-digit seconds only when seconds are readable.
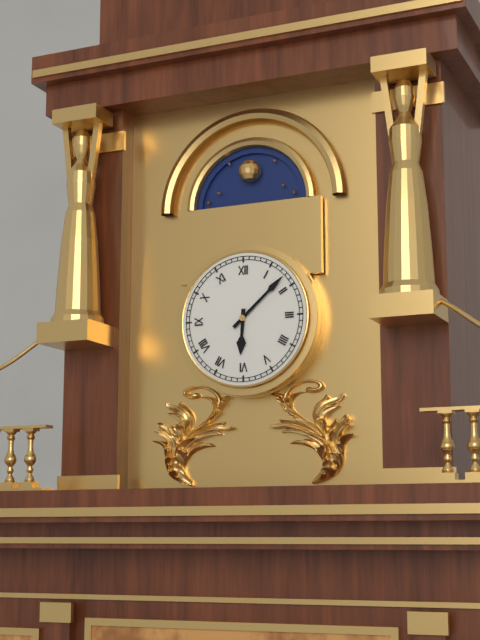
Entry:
6.08
